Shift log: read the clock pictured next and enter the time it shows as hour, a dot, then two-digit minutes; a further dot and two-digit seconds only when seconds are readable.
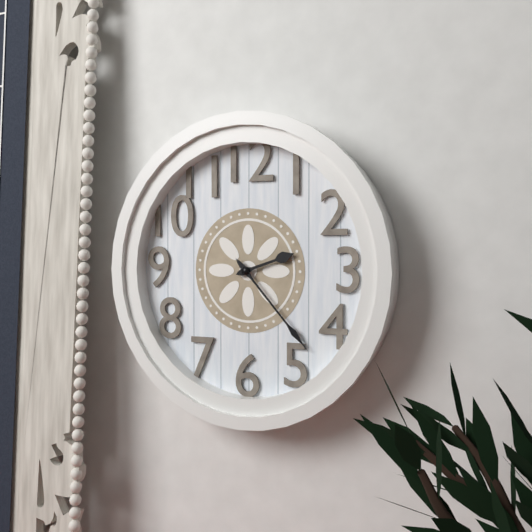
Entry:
2.23
